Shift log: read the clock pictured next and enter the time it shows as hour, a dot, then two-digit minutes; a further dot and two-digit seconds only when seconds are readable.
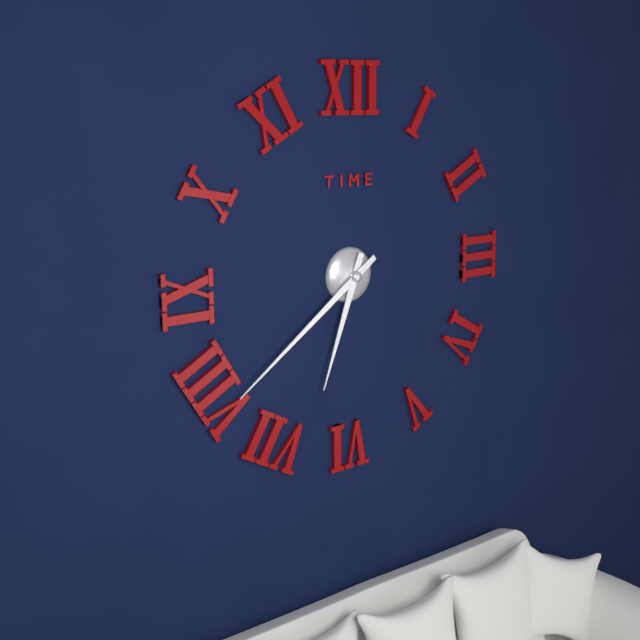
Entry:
6.39
